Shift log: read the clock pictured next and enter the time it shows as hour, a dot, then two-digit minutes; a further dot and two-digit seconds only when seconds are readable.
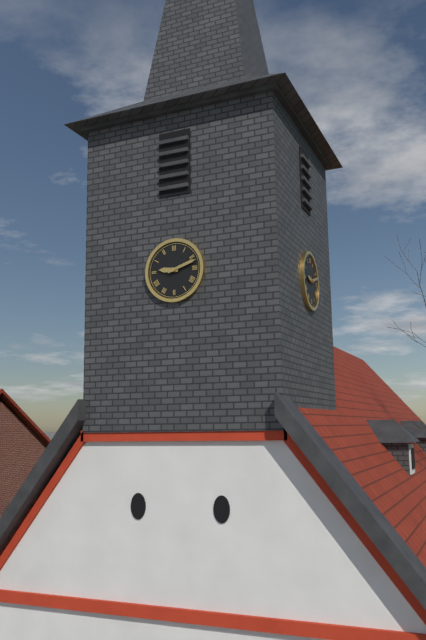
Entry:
9.12
